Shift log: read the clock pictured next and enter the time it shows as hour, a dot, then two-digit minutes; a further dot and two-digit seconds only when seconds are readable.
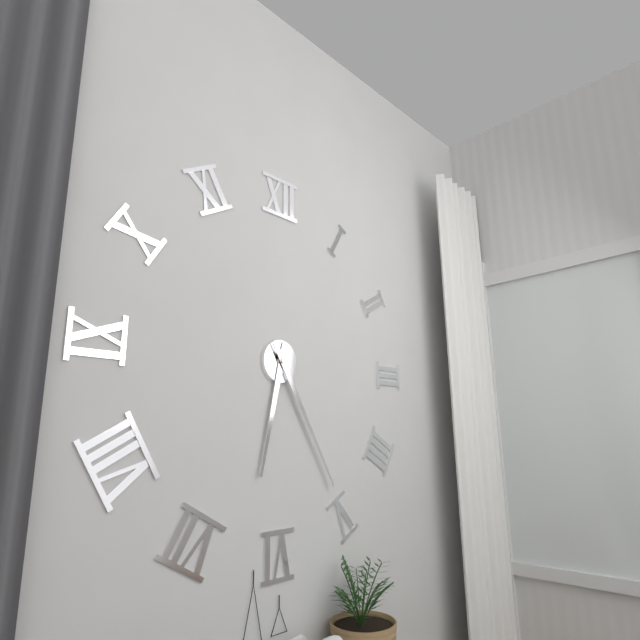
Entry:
6.25
